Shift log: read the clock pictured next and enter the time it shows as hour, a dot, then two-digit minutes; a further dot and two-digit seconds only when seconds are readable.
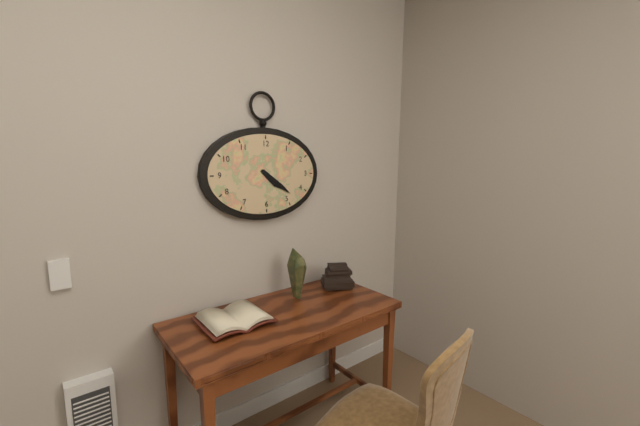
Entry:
4.21
